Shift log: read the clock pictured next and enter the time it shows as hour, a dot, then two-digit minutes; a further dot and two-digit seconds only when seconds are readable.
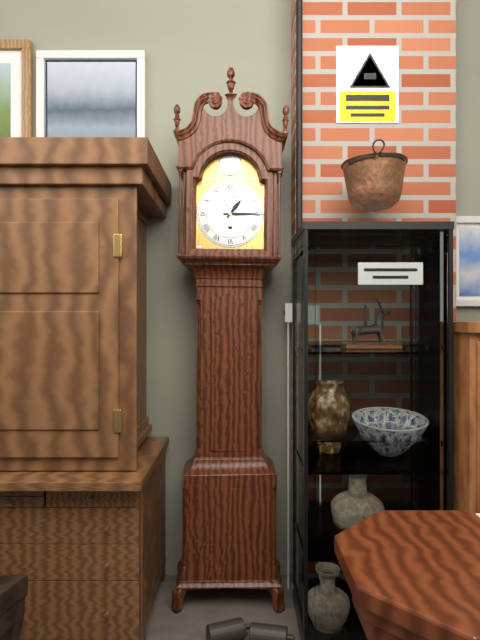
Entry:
1.15
